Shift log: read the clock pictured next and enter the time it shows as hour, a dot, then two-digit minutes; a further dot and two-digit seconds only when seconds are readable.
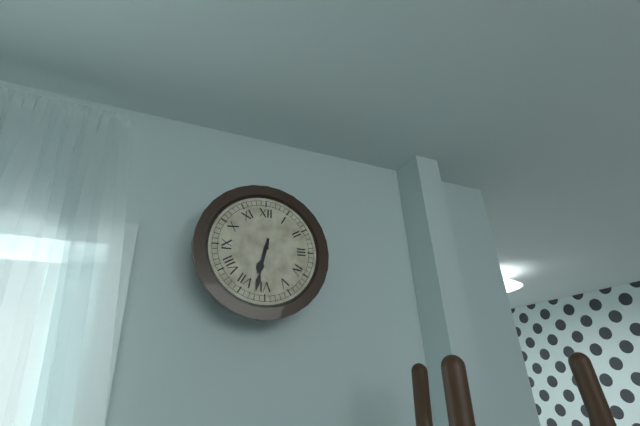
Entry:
6.32
